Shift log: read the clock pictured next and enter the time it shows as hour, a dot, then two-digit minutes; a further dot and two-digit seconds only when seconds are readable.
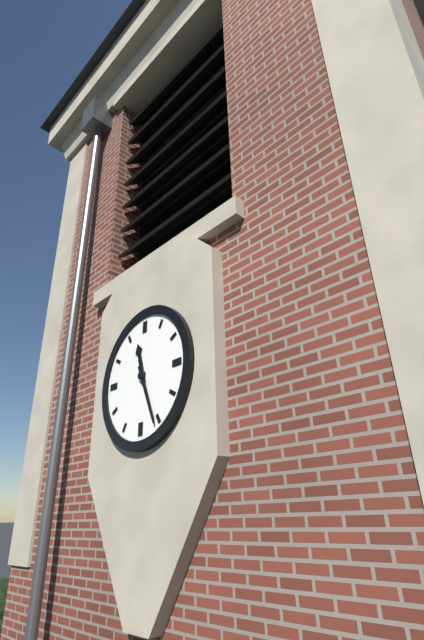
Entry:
11.26
